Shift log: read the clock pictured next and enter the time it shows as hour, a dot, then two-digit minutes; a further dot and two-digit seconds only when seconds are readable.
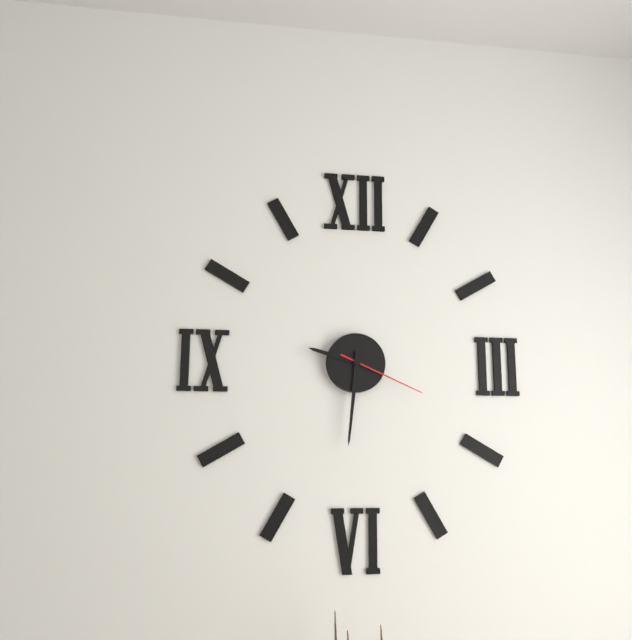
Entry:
9.31.19
